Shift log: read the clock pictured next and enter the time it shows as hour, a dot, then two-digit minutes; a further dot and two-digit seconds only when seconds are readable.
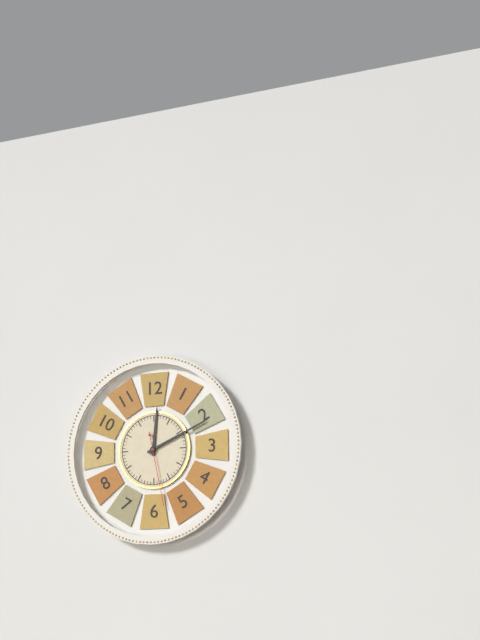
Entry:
12.11.28
